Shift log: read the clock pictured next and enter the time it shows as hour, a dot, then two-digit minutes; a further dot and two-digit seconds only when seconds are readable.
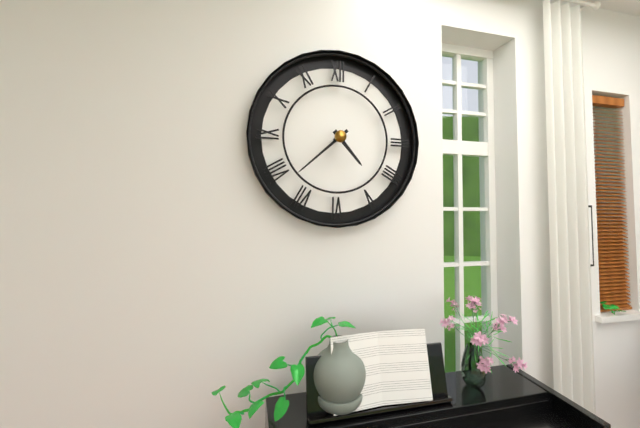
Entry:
4.38
